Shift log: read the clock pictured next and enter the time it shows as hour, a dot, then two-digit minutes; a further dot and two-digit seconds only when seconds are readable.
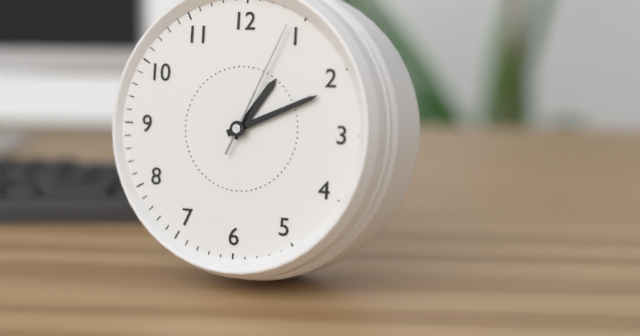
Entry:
1.11.04
